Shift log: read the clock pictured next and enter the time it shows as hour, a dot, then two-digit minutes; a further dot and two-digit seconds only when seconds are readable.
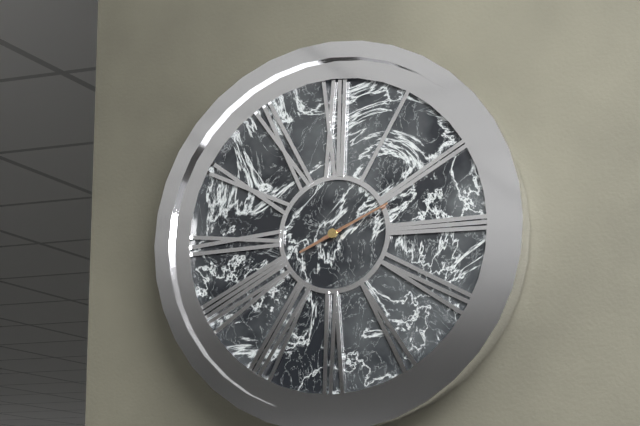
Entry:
8.11
